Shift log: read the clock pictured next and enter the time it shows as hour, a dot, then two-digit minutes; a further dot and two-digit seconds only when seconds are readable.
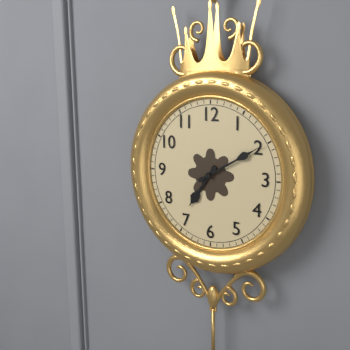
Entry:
7.10
